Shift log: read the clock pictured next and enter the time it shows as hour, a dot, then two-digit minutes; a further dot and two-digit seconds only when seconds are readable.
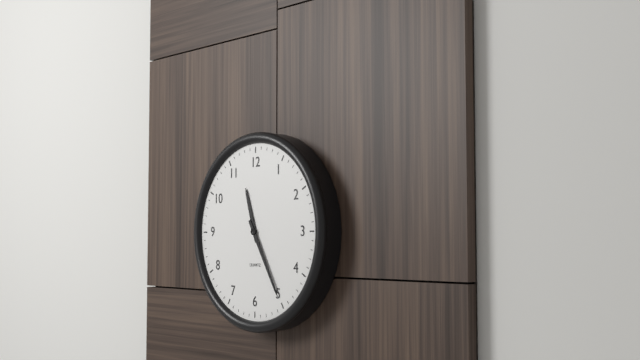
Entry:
11.25
